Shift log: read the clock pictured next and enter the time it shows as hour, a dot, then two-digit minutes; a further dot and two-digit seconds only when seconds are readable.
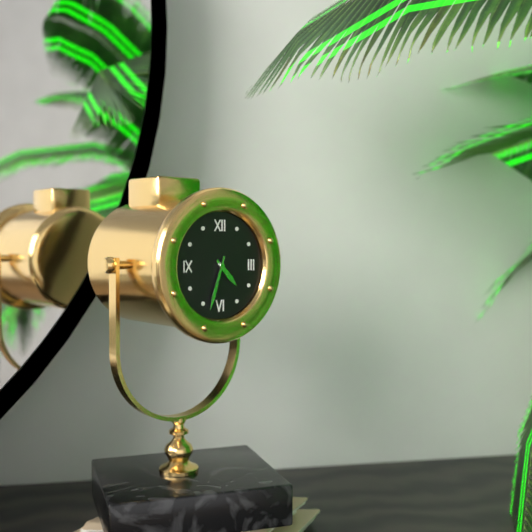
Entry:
4.33
